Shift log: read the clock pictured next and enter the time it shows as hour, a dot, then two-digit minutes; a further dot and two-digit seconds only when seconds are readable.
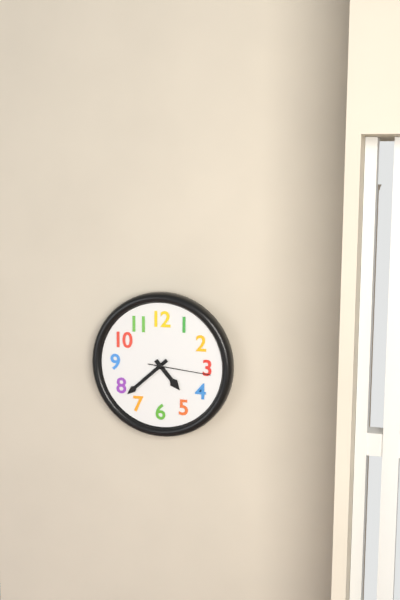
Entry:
4.38.16
